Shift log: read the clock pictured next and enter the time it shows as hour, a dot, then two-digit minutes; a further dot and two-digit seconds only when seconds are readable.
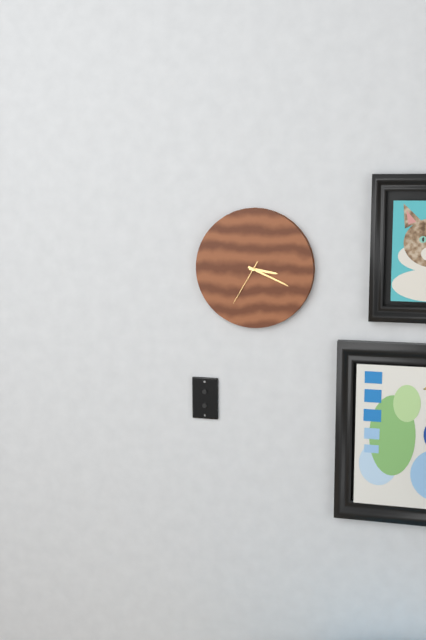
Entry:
3.19.35
